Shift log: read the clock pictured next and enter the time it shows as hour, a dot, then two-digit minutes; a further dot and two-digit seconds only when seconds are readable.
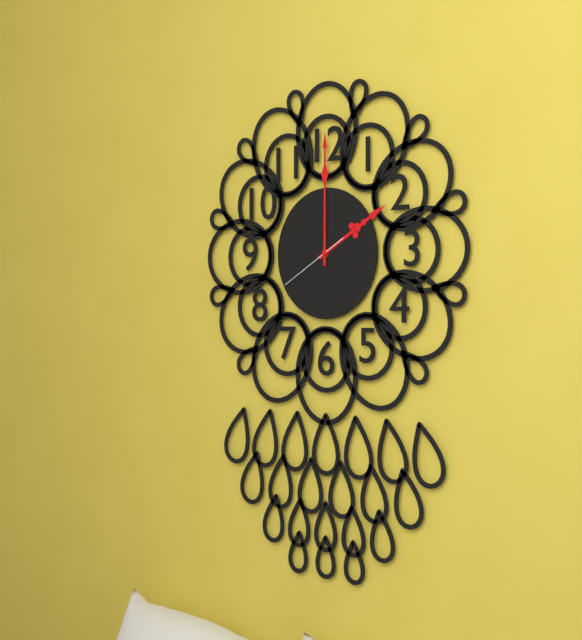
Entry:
2.00.40
